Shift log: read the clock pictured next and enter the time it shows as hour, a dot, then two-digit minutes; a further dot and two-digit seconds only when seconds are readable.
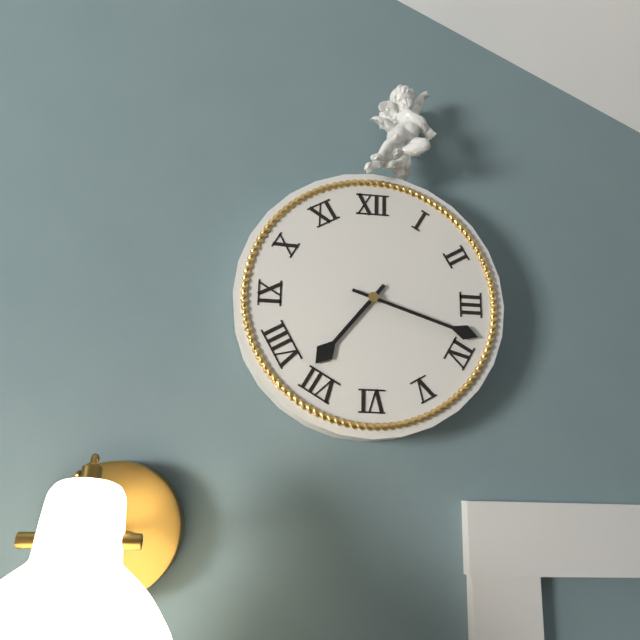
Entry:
7.18
